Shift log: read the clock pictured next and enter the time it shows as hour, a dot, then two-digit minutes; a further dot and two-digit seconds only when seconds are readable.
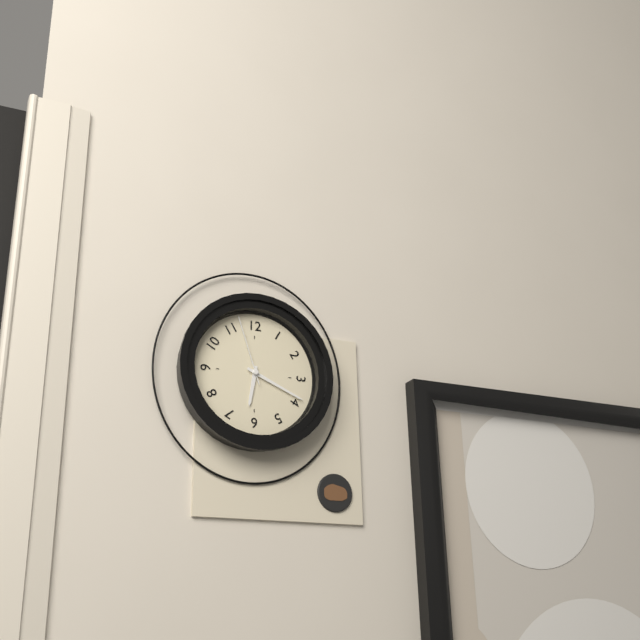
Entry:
6.19.57
